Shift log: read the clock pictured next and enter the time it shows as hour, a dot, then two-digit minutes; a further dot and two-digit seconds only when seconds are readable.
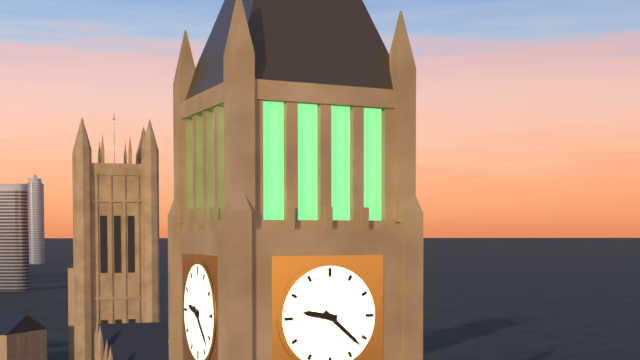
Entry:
9.22
